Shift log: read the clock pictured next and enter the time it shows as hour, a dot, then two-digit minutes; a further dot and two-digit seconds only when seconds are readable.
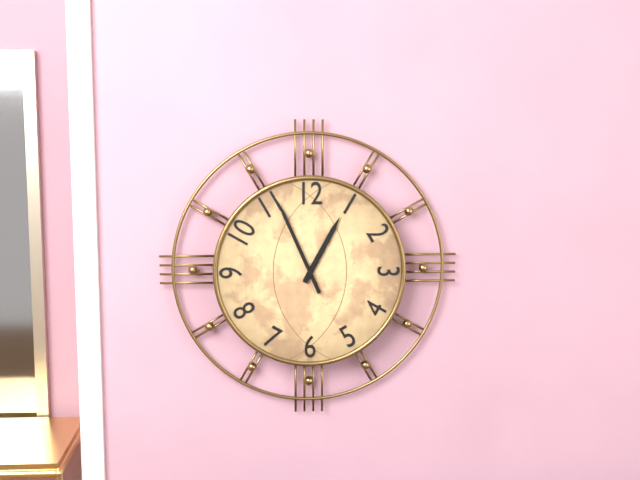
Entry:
12.56
